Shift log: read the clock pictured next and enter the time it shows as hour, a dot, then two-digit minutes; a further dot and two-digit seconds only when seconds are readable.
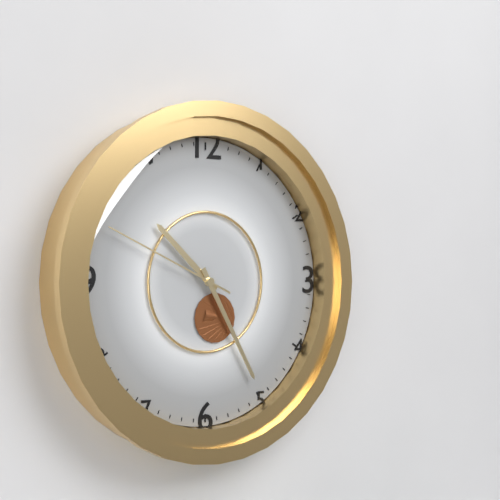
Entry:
10.25.49
